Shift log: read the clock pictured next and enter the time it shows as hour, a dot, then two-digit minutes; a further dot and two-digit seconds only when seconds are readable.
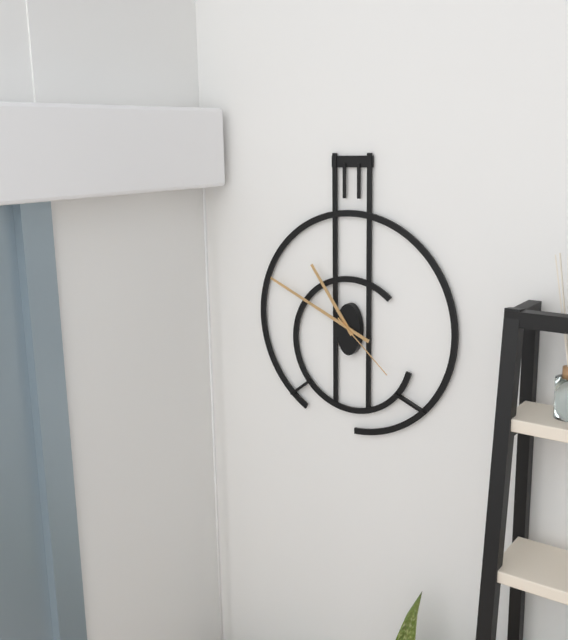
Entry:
10.49.22
